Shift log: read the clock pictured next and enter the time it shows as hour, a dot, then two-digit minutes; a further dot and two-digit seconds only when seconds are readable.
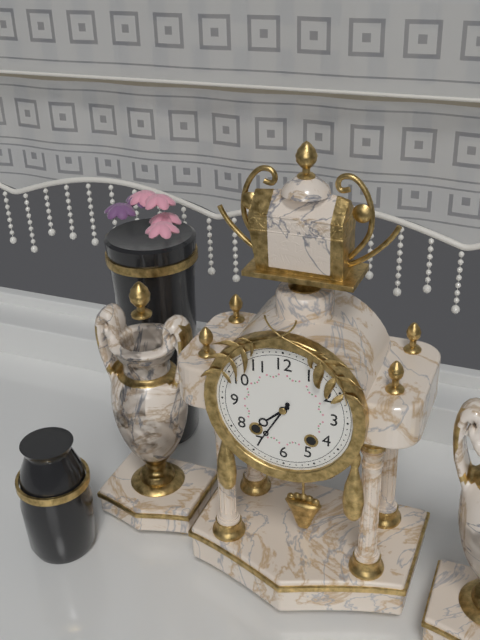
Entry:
7.35
